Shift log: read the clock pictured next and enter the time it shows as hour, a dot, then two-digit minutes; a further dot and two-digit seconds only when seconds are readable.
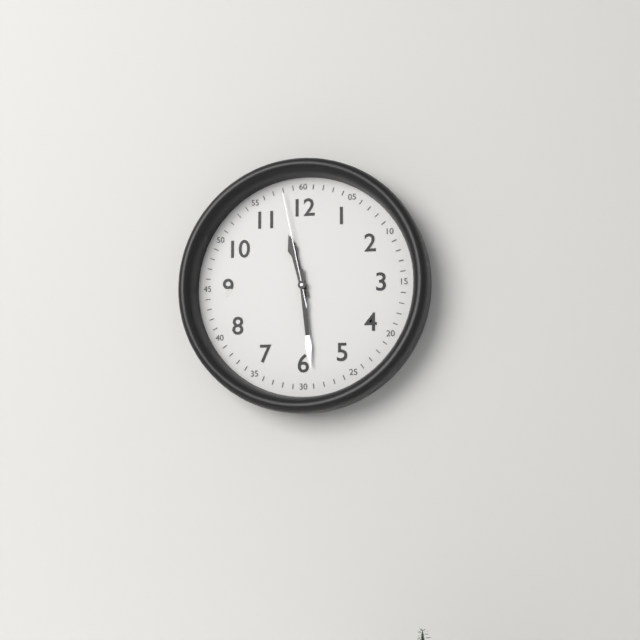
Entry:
11.29.58
